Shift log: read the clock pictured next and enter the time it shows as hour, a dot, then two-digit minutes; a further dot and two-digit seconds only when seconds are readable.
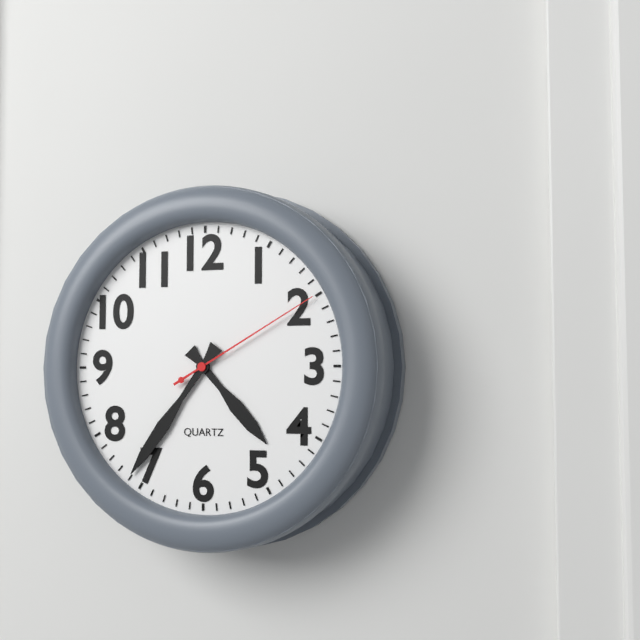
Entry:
4.36.10
